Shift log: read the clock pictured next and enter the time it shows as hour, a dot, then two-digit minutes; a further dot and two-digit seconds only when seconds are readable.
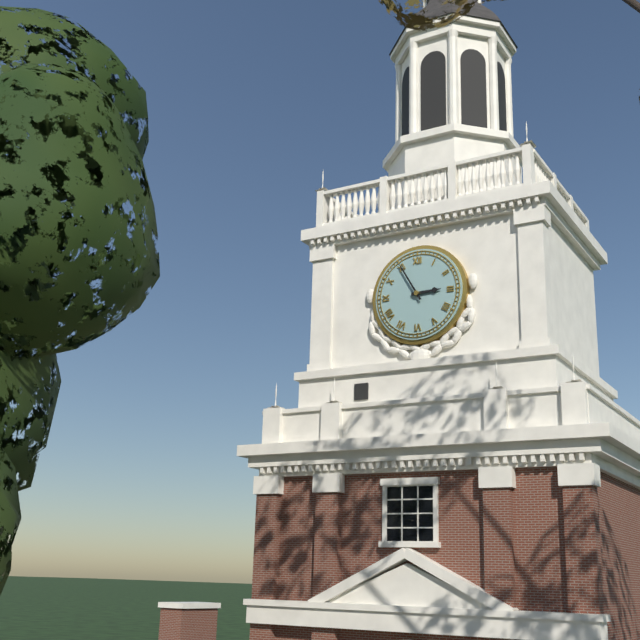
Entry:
2.55
